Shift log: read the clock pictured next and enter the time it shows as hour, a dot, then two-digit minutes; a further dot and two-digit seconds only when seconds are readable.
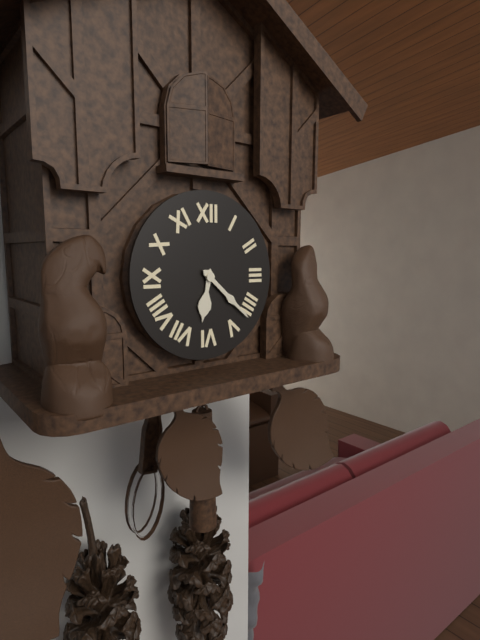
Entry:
6.22
